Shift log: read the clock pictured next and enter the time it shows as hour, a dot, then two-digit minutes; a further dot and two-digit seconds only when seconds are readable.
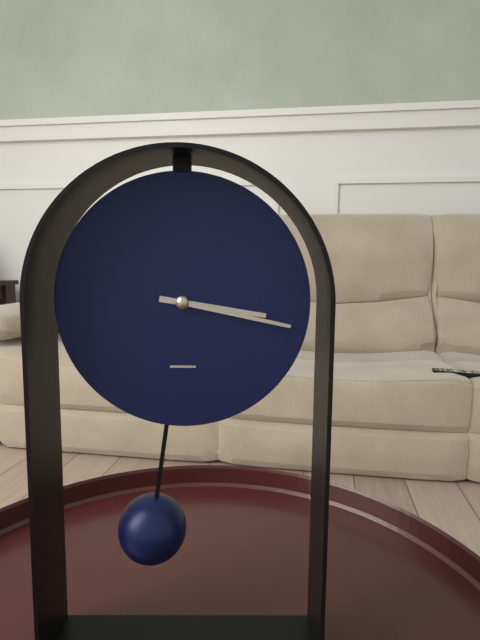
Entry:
3.17
